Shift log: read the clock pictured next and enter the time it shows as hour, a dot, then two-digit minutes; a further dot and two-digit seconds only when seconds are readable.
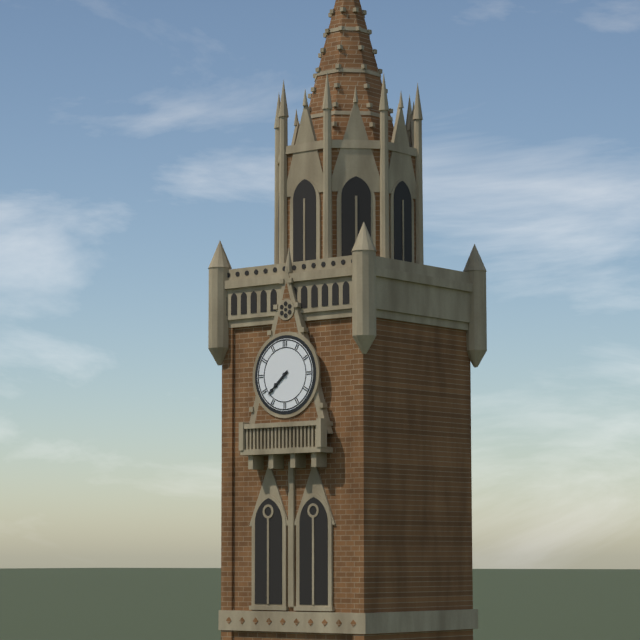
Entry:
7.38
